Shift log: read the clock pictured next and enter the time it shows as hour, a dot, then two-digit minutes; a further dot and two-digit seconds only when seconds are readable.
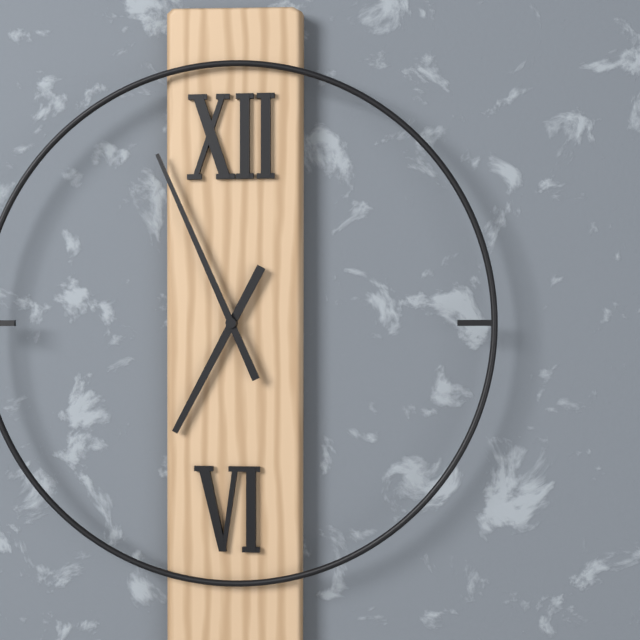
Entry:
6.56
